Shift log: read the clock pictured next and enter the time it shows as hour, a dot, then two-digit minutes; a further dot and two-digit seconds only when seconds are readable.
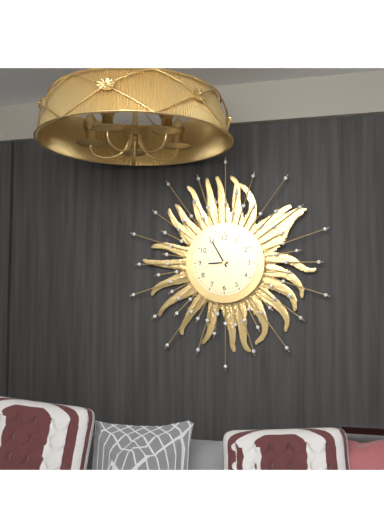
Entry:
8.55
